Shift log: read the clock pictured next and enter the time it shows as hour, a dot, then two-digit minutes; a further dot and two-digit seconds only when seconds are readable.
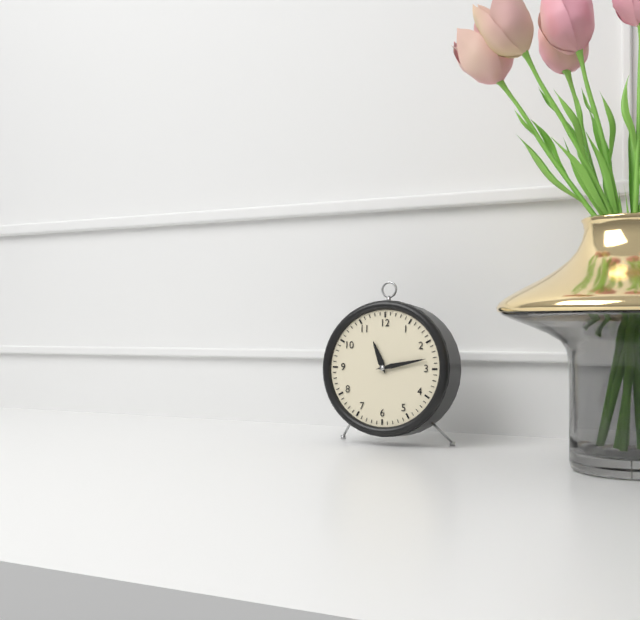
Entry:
11.13
